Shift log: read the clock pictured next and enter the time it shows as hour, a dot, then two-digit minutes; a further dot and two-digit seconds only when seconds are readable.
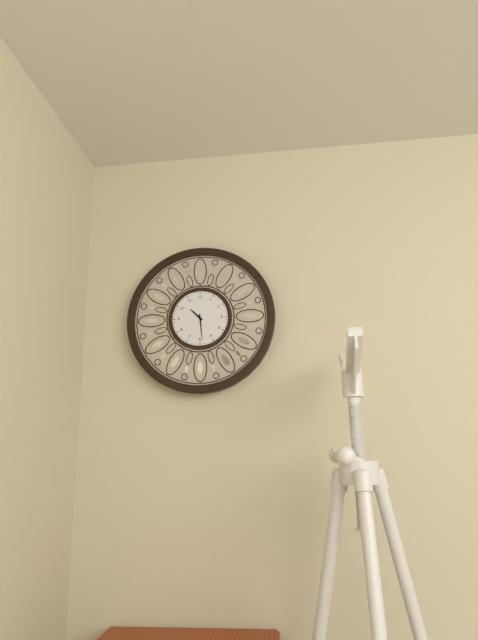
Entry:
10.29
